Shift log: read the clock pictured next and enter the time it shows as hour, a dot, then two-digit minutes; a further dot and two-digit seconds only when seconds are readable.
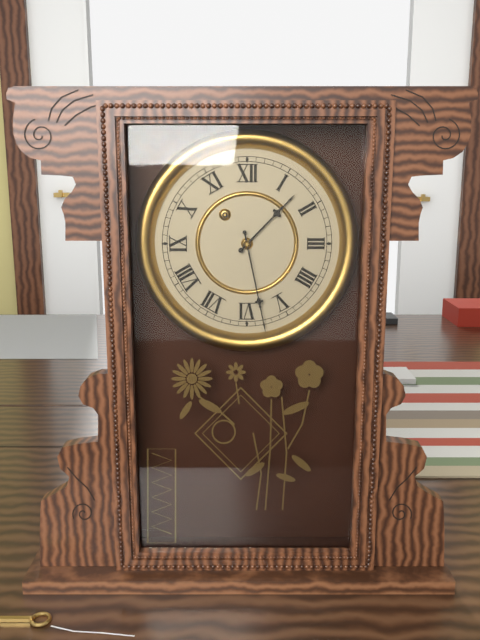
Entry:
1.28
